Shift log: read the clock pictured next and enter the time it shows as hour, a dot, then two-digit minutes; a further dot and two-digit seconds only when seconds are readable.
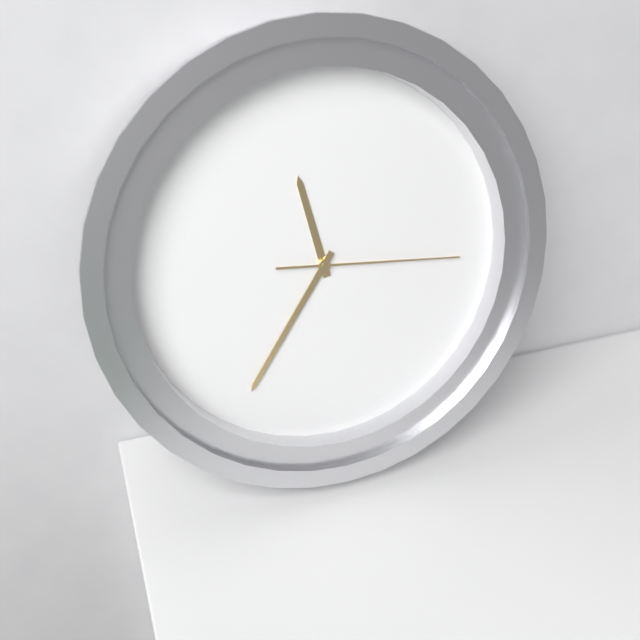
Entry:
11.36.16
